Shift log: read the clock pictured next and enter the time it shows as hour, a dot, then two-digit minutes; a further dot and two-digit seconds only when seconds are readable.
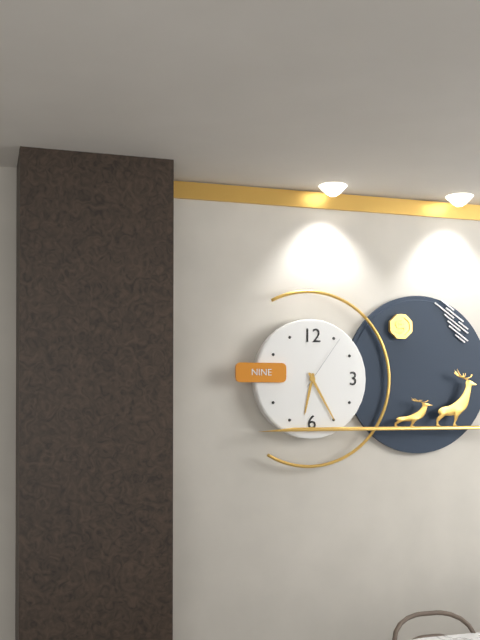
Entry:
6.25.06
